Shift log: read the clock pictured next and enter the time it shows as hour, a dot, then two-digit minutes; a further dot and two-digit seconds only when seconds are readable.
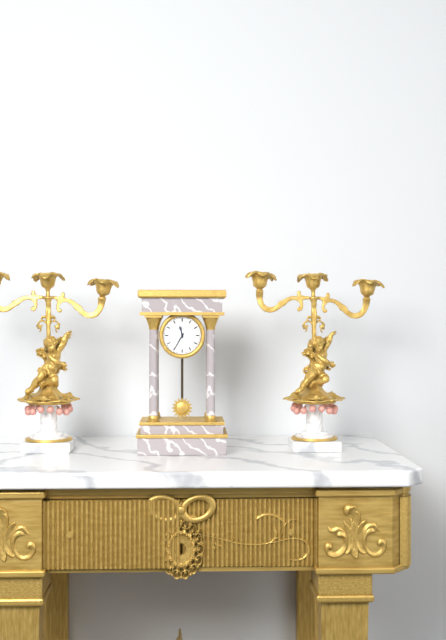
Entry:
11.35
